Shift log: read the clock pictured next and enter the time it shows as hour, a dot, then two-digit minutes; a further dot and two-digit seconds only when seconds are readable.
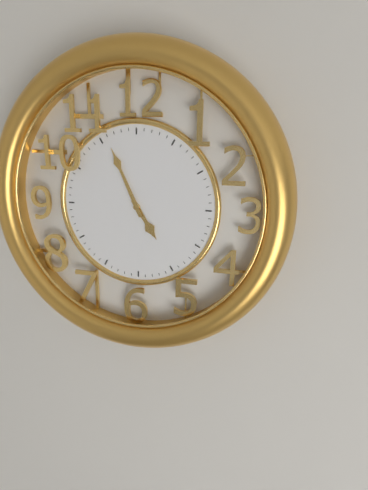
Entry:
4.56
